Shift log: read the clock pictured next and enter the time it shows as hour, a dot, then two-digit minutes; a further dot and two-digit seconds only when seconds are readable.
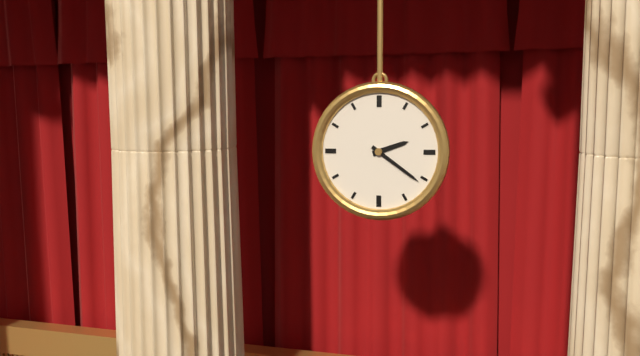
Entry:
2.21
